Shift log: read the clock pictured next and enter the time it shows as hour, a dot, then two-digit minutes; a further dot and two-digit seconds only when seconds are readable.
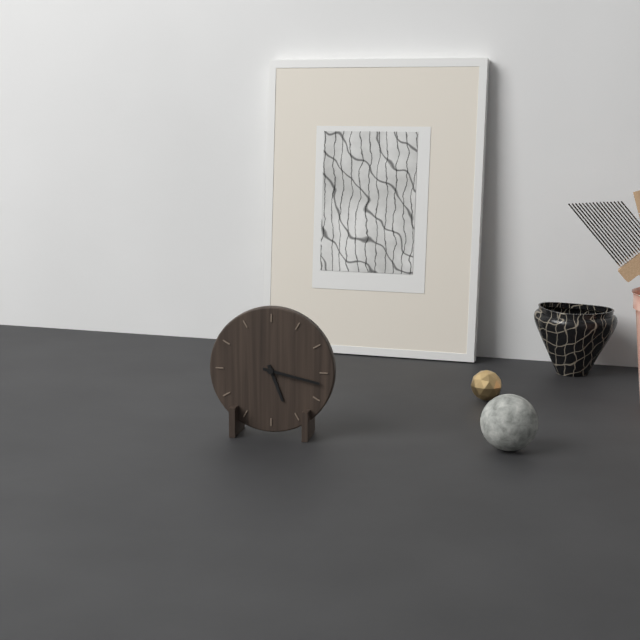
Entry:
5.17
